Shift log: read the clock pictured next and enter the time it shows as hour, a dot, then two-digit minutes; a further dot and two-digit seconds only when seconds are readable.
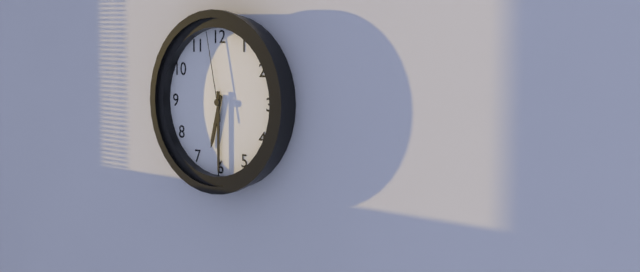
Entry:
6.30.58
